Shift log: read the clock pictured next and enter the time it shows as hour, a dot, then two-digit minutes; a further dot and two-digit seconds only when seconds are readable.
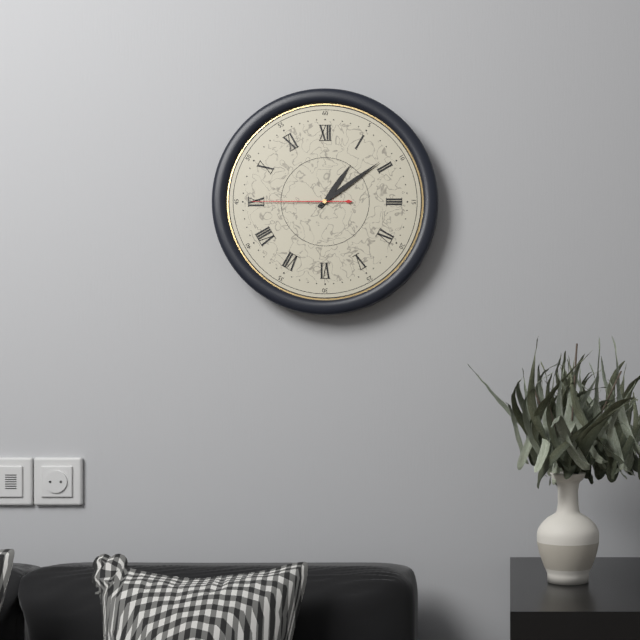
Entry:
1.09.45
